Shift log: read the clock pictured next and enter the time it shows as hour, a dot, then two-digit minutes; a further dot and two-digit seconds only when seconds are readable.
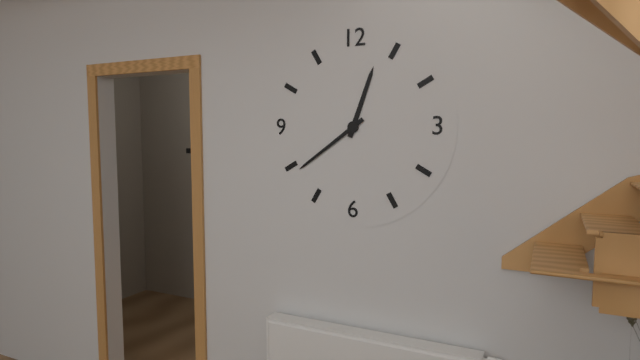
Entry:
12.39
